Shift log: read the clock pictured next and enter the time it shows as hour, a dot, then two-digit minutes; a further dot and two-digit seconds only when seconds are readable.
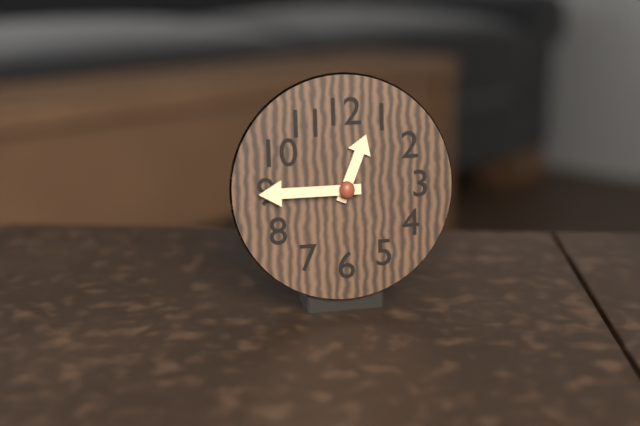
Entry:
12.45
